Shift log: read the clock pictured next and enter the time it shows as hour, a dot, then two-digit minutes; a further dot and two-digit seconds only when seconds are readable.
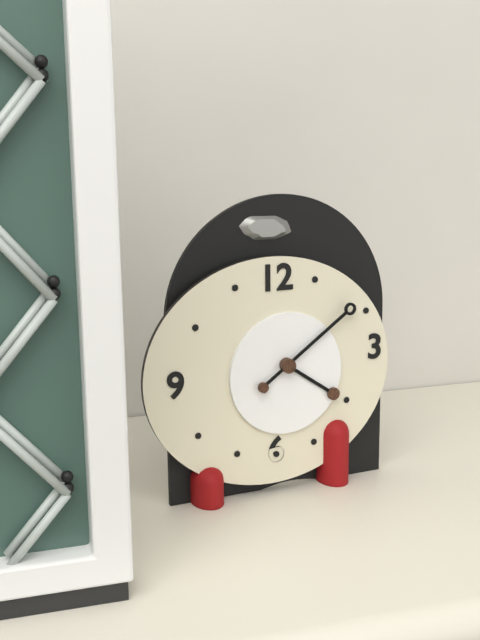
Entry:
4.09
